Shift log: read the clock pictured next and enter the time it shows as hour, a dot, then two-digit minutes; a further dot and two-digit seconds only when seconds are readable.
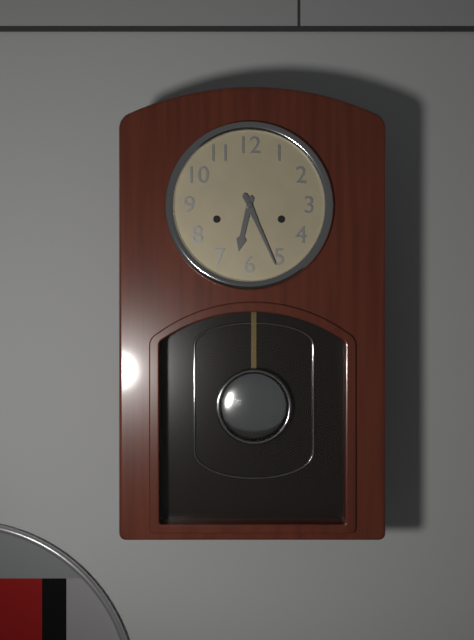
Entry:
6.26
